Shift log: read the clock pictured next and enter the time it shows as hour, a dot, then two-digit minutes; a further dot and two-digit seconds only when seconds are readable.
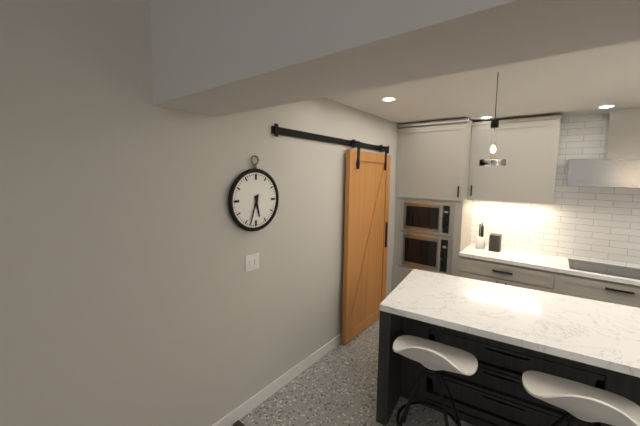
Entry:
5.33
